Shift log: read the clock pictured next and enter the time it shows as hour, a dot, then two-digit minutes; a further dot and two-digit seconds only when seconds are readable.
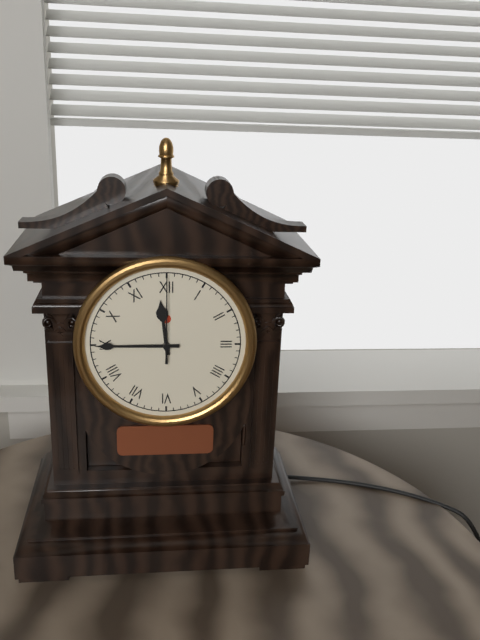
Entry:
11.45.00
